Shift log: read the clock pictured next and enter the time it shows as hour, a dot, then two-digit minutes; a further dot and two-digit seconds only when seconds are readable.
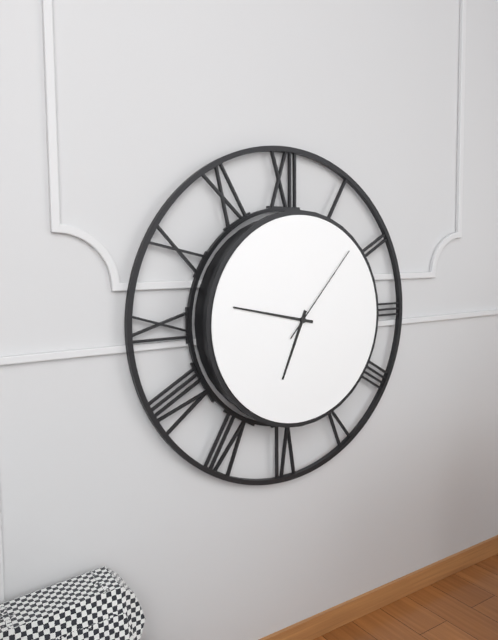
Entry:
6.47.07
